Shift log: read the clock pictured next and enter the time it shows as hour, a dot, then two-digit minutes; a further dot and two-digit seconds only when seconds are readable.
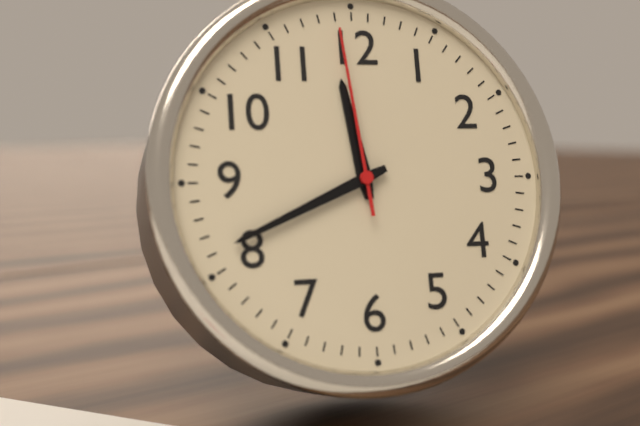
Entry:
11.41.59
